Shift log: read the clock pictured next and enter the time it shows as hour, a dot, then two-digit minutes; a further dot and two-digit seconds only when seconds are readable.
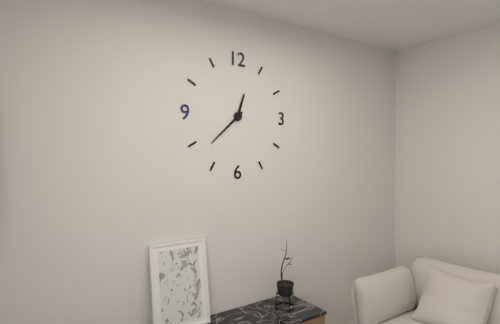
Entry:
12.38
